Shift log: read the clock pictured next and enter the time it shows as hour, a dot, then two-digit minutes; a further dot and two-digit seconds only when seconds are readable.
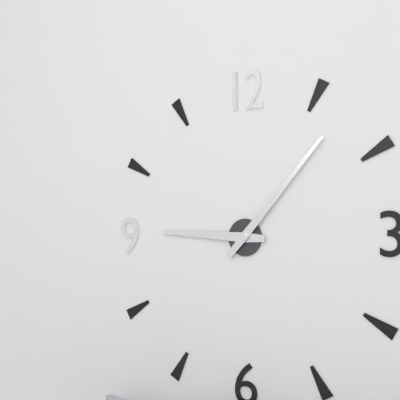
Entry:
9.07
